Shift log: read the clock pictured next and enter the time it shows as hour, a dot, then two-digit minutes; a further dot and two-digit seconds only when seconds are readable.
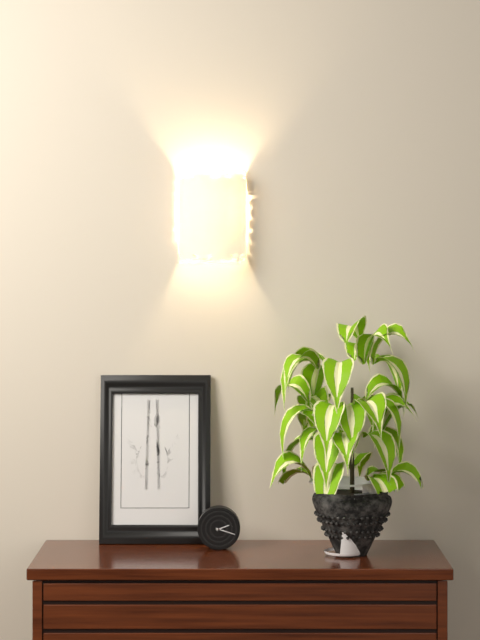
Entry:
2.18
